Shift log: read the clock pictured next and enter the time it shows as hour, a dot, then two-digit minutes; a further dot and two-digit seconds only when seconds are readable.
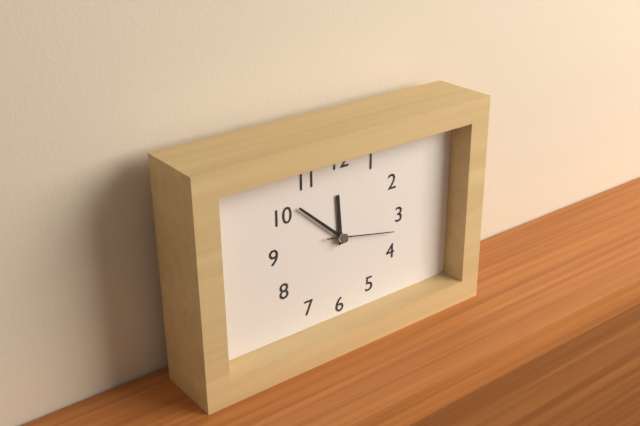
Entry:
11.52.17
